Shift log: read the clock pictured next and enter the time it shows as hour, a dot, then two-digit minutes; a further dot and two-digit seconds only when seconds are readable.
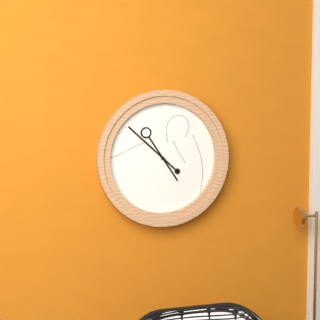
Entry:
4.52
